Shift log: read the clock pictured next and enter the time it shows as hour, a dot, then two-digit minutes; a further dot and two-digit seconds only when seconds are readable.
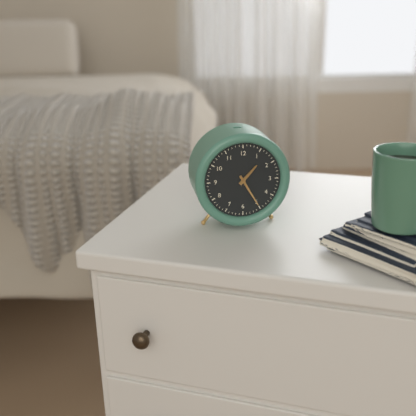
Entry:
1.25
